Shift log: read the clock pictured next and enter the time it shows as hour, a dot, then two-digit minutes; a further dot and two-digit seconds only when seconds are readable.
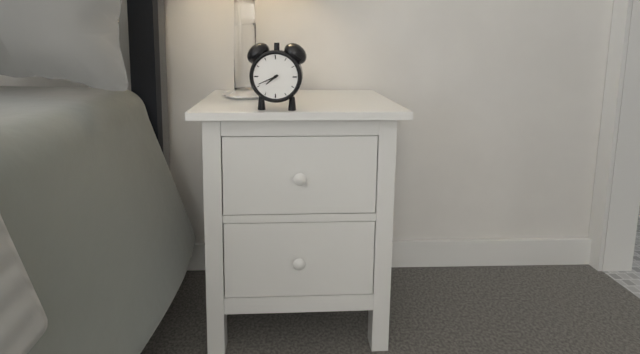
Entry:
7.41
